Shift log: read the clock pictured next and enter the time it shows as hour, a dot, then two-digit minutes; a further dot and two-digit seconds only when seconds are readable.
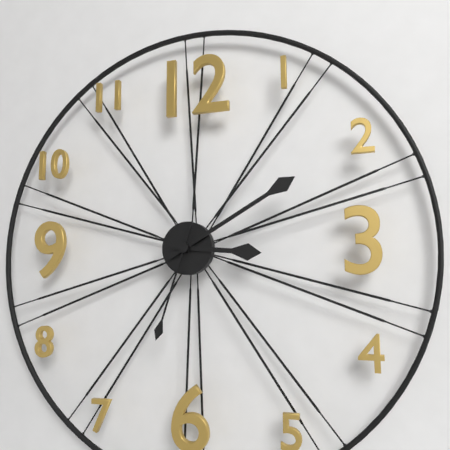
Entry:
3.10.33
